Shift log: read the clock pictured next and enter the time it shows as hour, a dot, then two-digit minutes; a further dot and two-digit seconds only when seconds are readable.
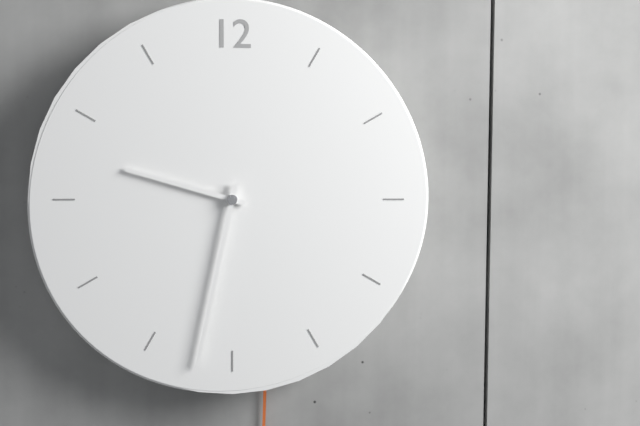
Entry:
9.32
